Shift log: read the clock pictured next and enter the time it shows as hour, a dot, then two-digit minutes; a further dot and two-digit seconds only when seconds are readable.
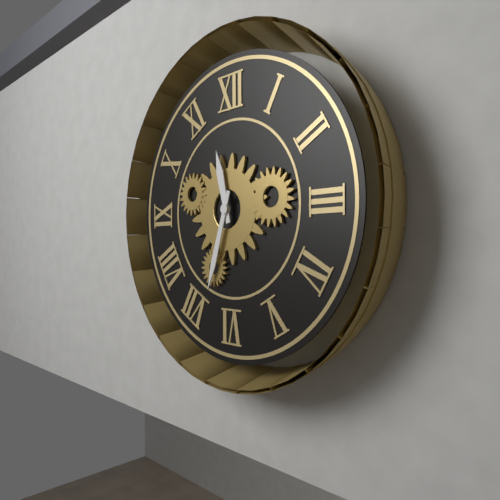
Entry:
11.33
